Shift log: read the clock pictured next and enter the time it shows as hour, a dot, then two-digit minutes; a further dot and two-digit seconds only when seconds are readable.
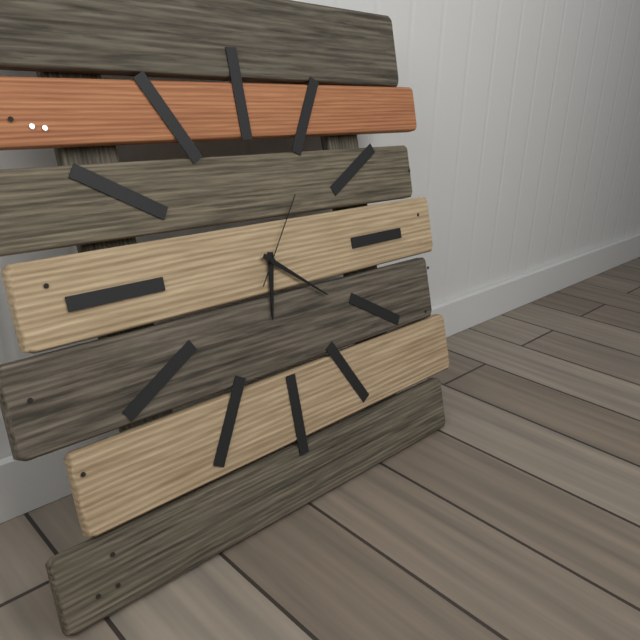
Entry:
6.21.06
